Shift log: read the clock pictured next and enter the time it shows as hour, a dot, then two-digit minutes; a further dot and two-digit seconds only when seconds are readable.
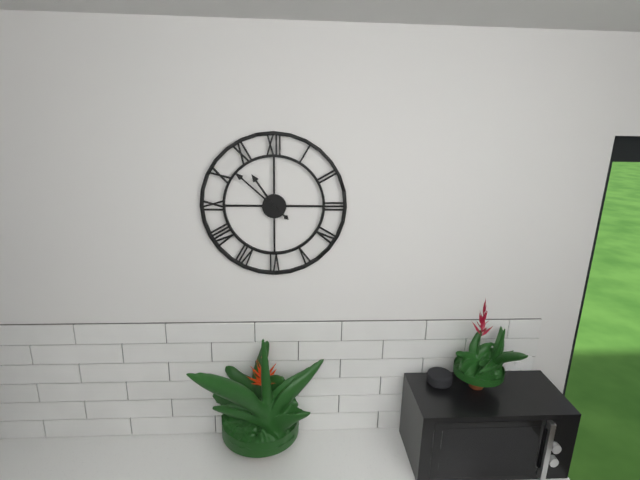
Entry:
10.52
